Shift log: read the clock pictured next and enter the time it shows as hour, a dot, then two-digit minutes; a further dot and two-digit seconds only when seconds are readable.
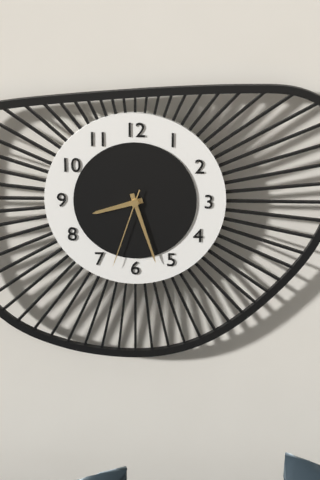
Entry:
8.27.33
